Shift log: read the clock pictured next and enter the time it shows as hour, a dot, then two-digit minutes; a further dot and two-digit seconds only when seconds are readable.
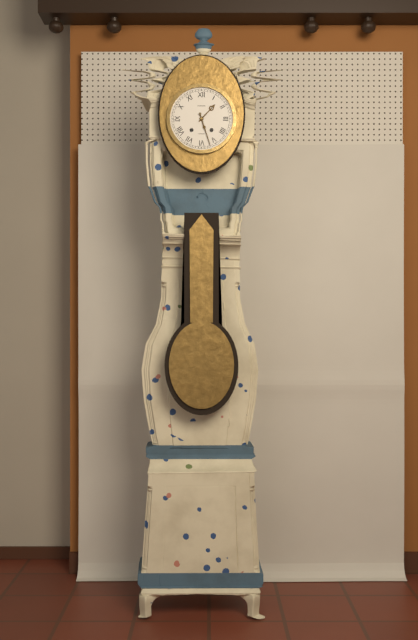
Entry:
1.27
